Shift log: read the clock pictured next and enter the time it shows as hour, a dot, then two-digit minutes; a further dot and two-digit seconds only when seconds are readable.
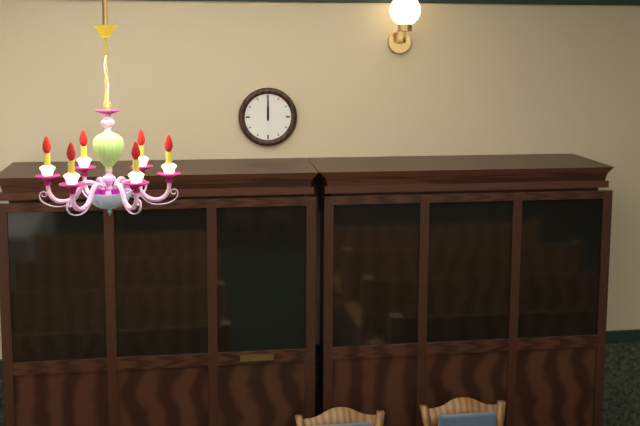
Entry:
12.00
